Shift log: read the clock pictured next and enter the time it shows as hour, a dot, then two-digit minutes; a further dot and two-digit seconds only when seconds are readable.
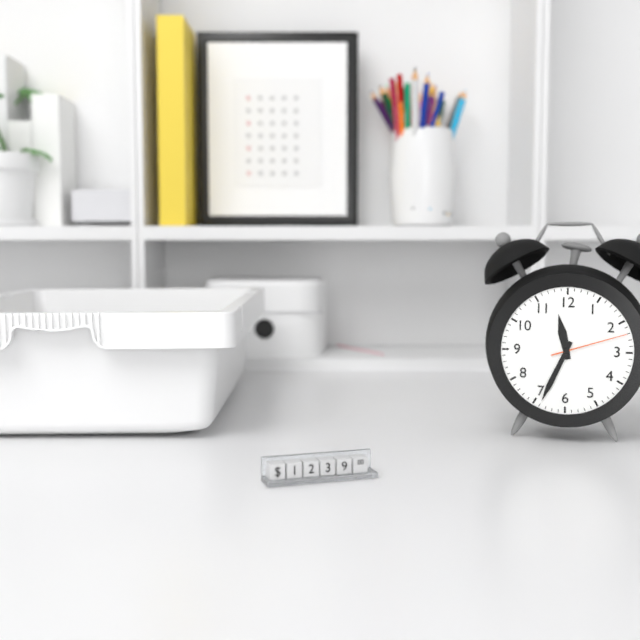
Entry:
11.34.12
